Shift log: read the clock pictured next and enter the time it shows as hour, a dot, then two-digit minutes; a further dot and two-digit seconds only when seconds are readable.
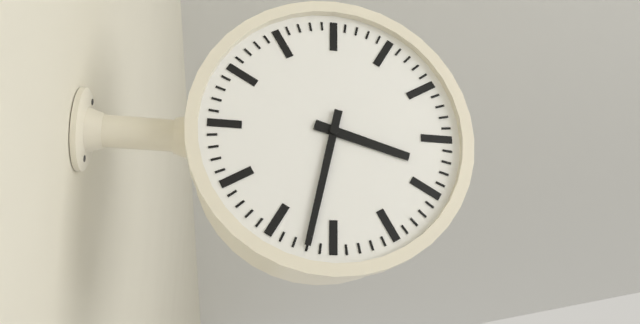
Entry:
3.32
